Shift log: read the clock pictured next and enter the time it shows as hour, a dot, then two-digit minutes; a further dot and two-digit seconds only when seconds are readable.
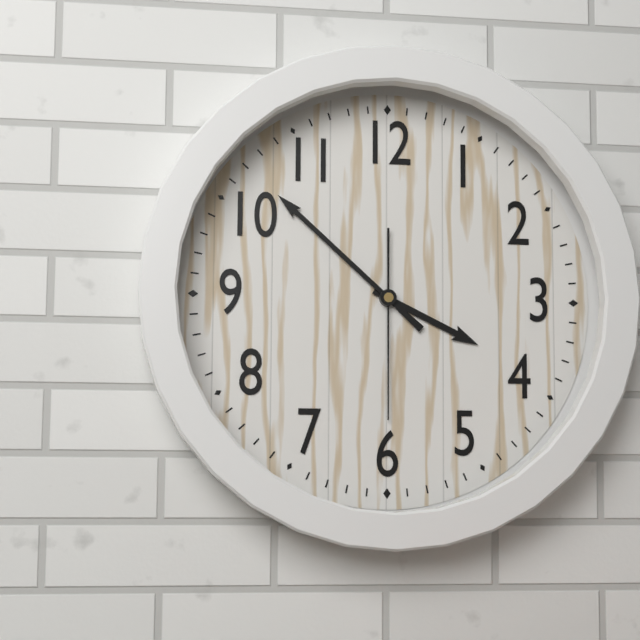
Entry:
3.52.30
